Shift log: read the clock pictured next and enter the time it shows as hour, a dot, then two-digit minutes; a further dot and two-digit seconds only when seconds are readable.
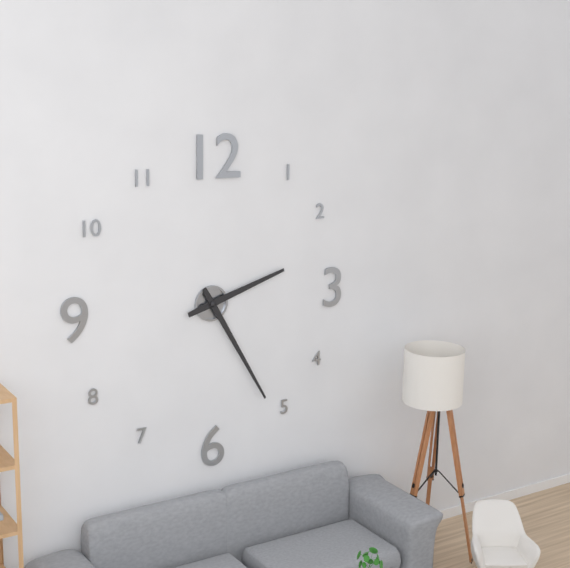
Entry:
2.25
